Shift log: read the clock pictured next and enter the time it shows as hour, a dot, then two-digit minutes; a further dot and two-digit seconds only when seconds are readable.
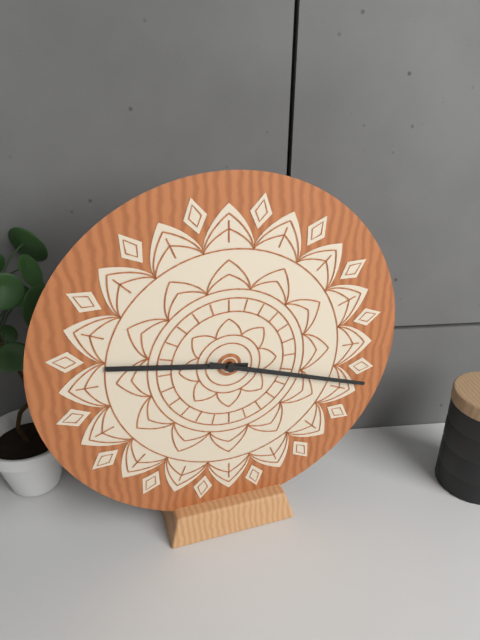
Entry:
9.18
